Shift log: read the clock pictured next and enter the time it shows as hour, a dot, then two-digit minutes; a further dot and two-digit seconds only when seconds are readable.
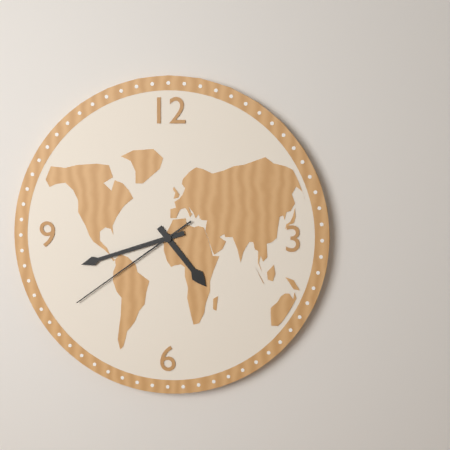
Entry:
4.42.39
